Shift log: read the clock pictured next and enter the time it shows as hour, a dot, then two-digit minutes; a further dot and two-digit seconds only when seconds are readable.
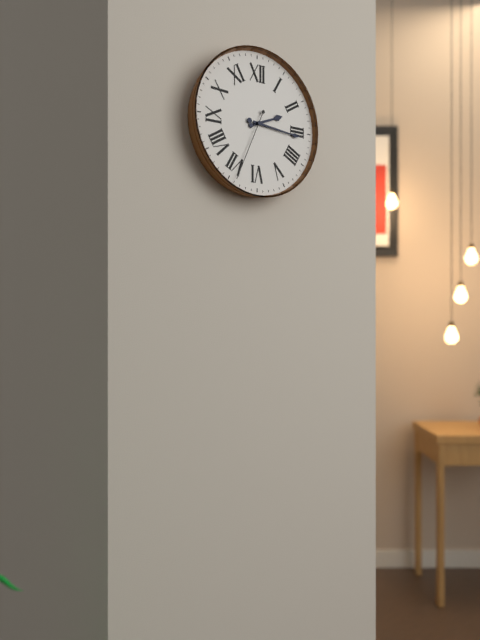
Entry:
2.16.34
